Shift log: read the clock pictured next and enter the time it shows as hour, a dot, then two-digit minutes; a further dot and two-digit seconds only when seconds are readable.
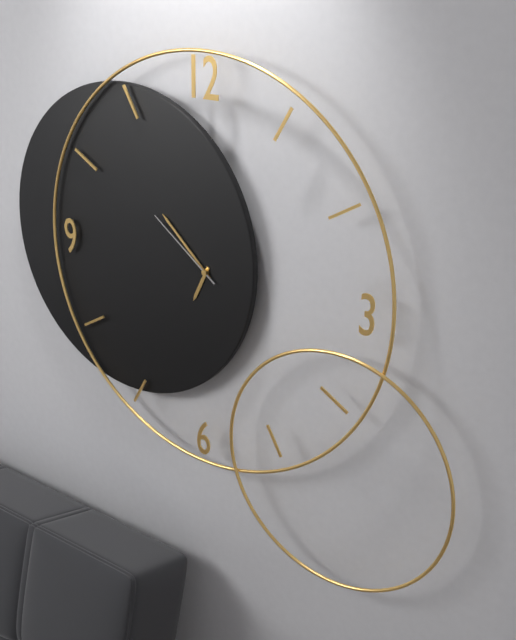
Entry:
6.52.51
